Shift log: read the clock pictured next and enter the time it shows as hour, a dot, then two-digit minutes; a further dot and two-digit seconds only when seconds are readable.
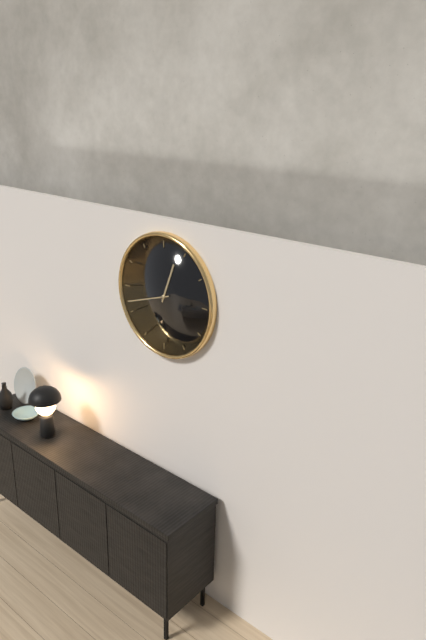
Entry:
12.42
